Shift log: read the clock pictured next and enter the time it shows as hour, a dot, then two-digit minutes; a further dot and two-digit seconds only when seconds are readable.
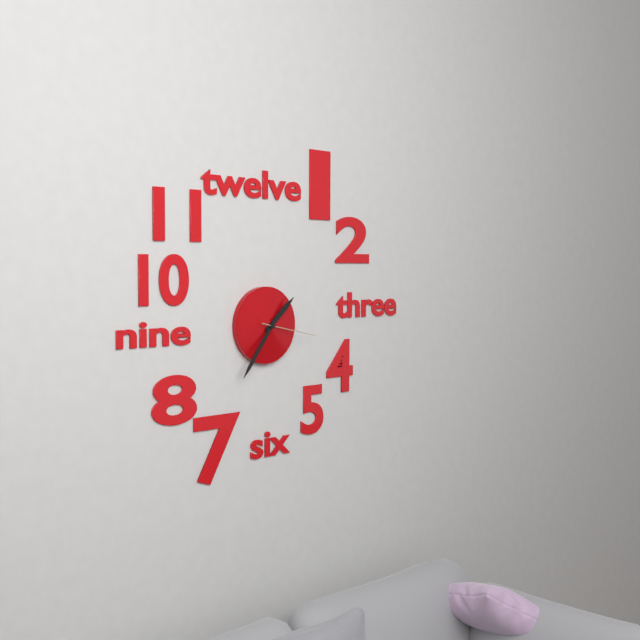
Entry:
1.36.17
